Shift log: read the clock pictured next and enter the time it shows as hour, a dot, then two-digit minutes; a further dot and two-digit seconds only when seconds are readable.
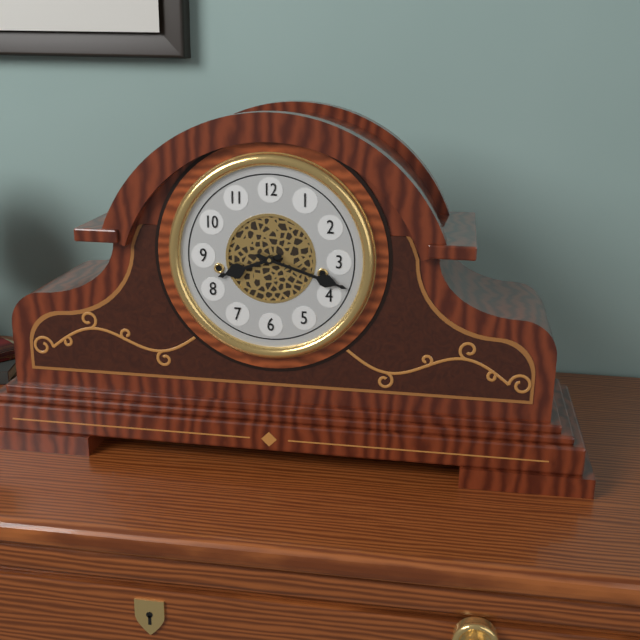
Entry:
8.18
